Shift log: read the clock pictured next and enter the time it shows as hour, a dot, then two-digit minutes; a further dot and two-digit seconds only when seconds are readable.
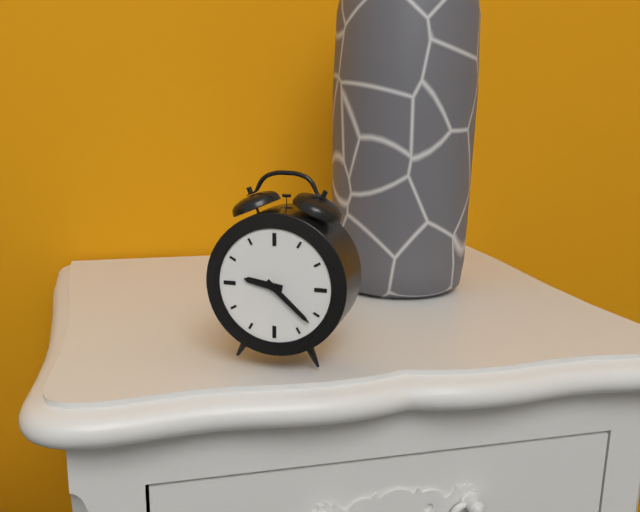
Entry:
9.22
